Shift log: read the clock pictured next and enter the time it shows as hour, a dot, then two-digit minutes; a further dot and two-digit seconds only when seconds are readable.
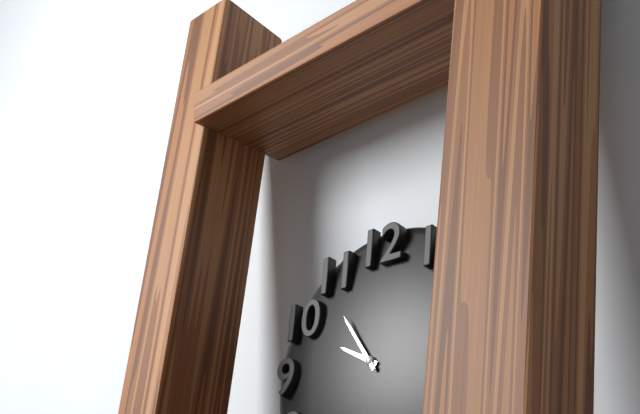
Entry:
9.54
